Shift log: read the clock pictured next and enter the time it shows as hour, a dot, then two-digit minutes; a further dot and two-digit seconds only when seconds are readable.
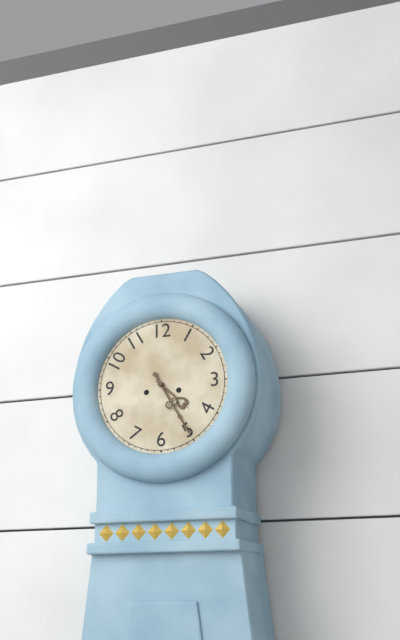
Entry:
4.25
